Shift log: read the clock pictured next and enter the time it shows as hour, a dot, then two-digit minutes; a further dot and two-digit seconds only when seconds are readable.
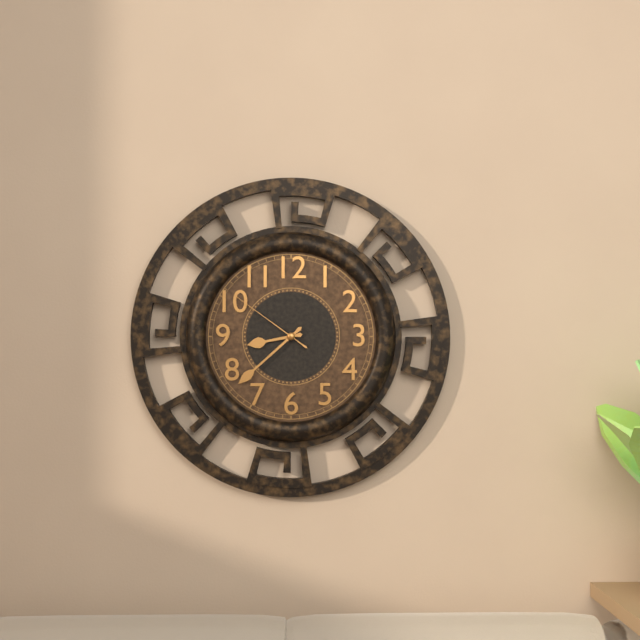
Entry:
8.38.51
